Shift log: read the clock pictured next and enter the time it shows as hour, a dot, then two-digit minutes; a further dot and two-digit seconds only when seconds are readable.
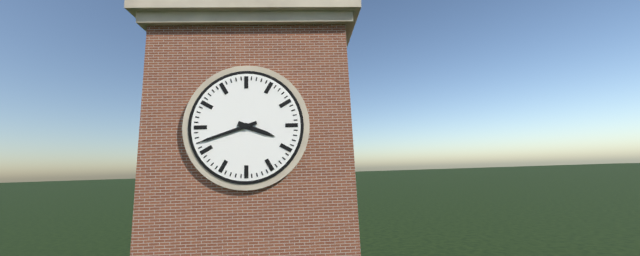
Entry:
3.42
